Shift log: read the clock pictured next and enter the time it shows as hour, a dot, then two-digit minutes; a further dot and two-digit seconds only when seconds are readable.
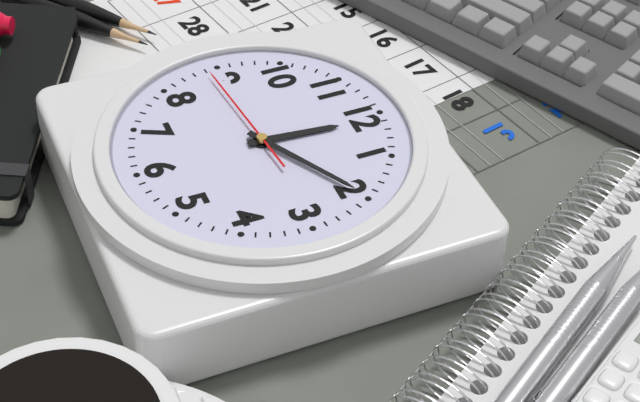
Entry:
12.10.44
